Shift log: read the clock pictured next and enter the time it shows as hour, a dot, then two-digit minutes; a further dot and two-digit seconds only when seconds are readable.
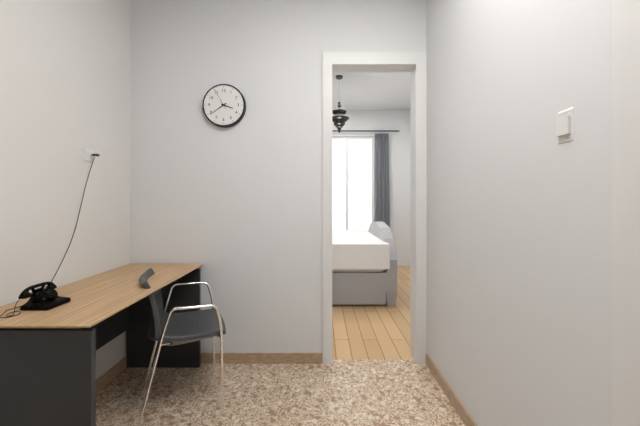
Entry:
3.39
